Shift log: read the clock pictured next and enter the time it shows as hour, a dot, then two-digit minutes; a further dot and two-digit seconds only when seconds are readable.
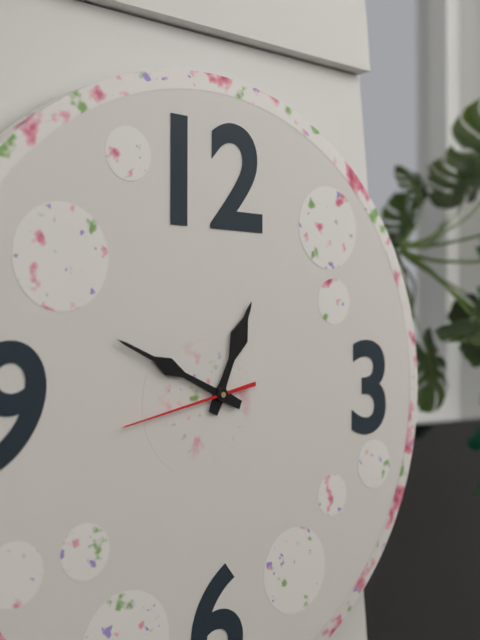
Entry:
12.49.43
